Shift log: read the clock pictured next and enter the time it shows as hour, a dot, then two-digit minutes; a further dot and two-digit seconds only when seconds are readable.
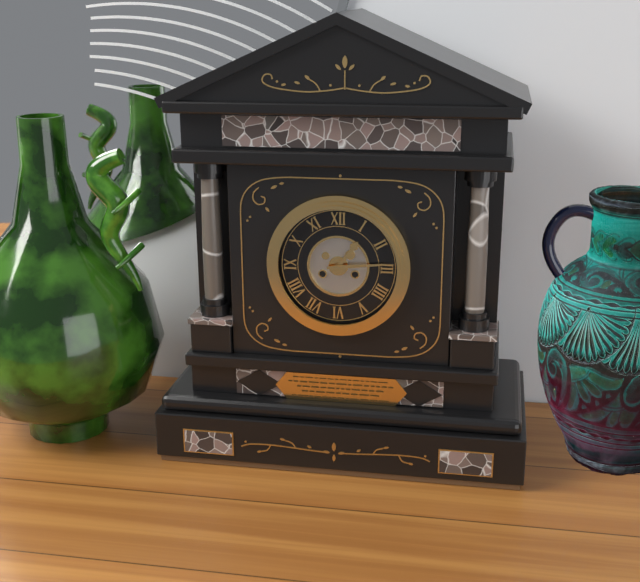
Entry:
1.14
